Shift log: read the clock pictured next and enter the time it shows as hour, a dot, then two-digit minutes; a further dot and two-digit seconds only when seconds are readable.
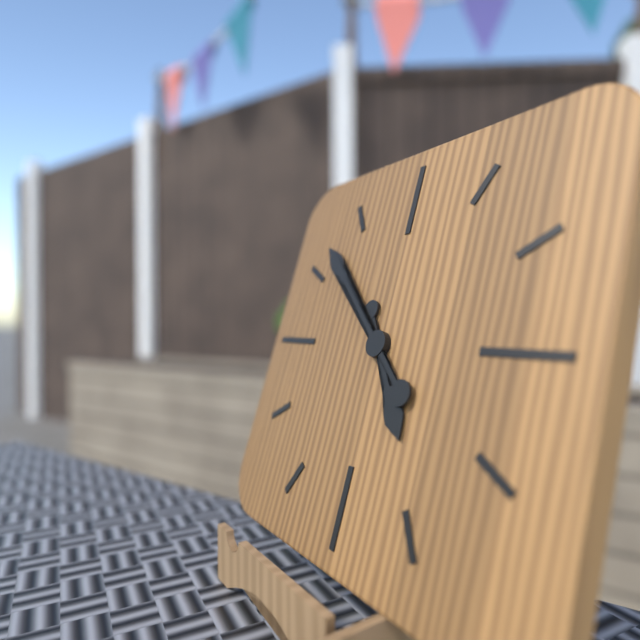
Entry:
4.52
